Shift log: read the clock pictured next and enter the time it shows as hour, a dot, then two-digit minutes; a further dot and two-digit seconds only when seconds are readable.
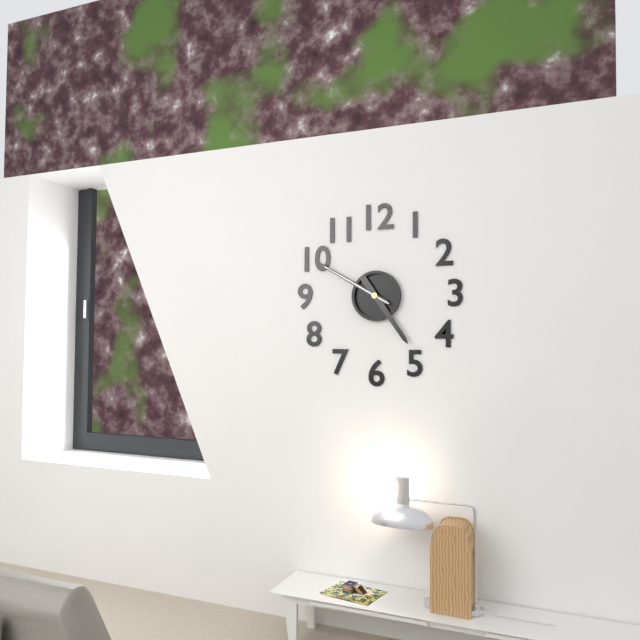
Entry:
4.50.50
